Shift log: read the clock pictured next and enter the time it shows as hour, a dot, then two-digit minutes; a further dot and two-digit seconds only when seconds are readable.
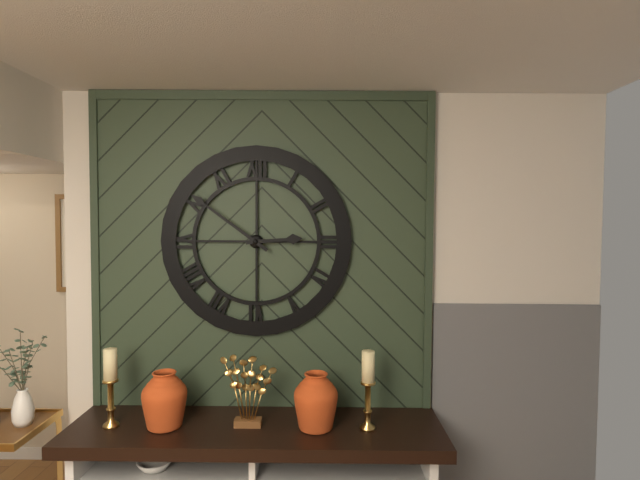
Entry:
2.51
